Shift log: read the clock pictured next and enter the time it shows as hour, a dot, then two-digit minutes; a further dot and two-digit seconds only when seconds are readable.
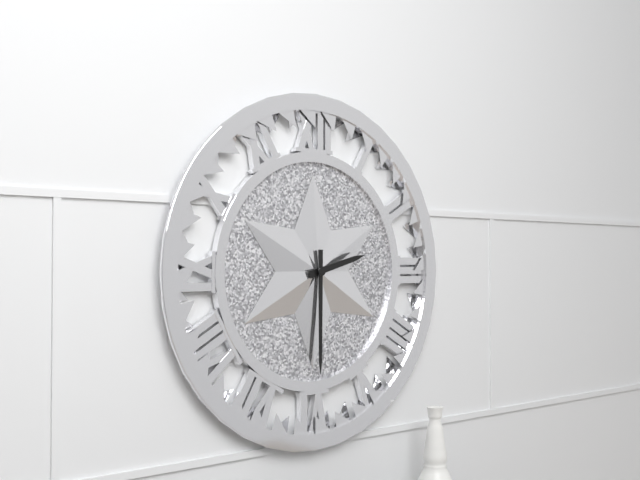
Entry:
2.30
